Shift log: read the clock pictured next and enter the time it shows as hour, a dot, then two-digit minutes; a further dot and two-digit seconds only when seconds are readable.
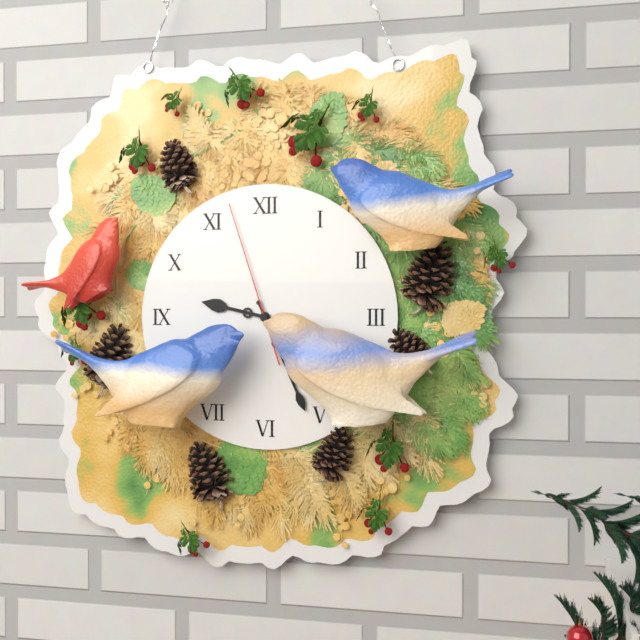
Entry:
9.26.57
